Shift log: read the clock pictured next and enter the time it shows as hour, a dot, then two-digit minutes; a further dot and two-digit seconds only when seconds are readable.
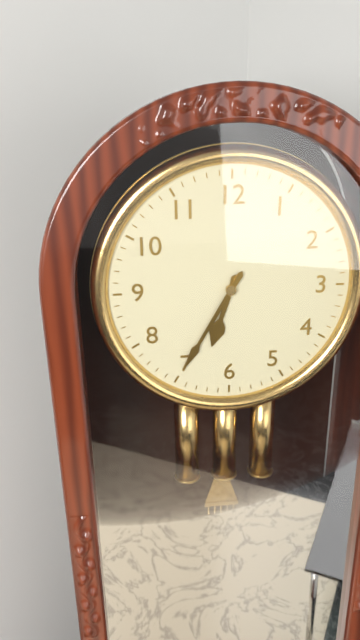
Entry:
6.35
